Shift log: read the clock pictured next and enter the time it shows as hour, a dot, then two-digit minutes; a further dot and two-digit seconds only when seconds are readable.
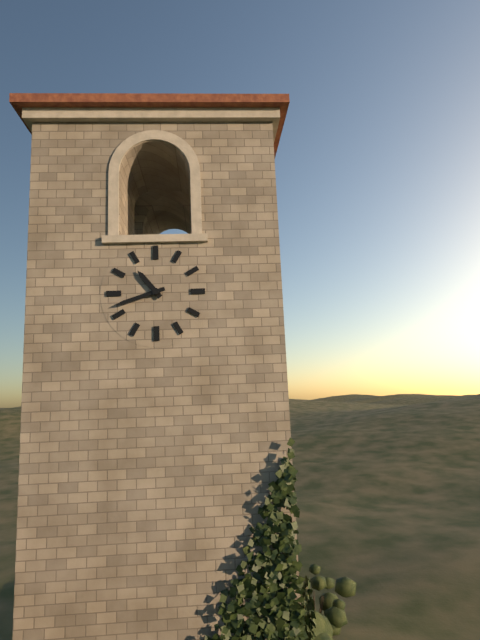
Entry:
10.42
